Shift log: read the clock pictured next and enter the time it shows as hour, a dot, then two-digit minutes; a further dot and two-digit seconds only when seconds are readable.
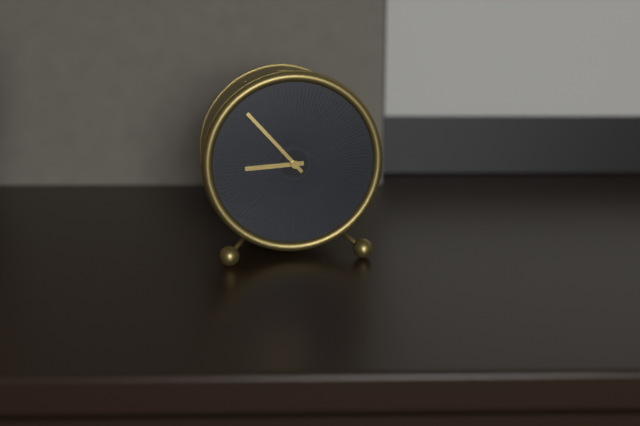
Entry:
8.53
